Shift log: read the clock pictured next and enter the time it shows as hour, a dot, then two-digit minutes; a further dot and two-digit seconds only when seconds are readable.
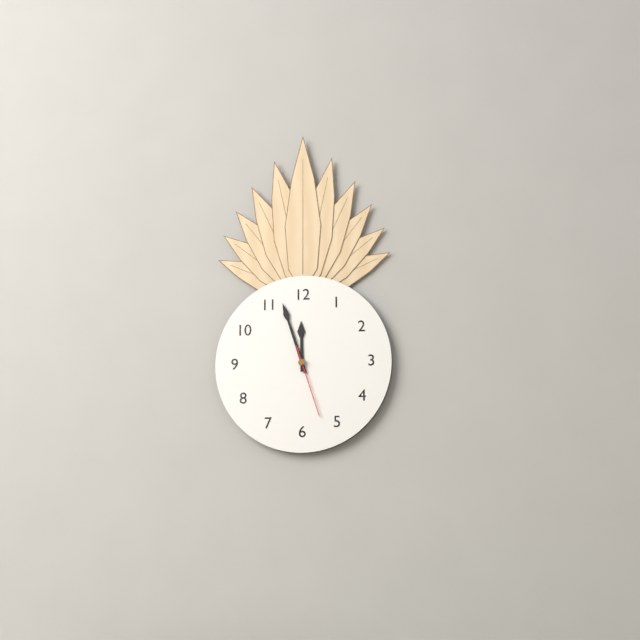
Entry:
11.57.27
